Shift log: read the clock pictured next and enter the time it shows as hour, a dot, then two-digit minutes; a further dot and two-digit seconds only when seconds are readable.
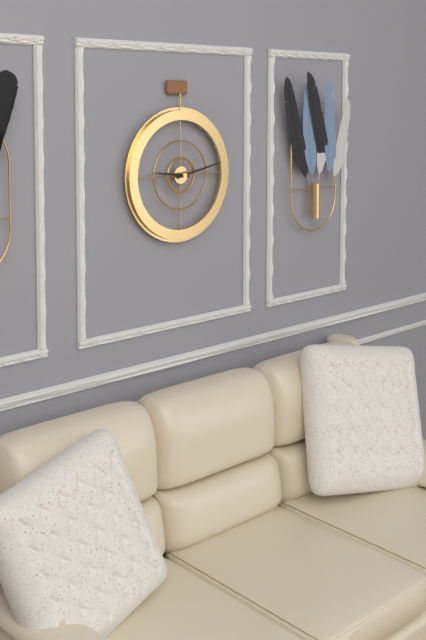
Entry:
9.13
